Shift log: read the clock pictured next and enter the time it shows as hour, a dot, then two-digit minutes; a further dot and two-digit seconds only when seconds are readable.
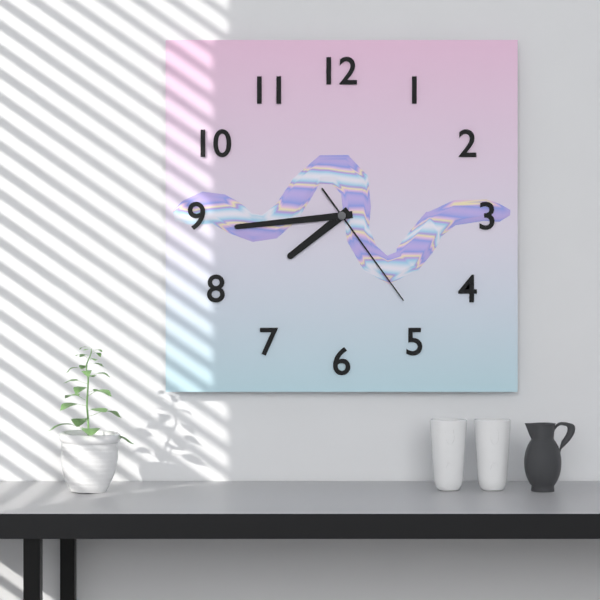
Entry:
7.44.24
